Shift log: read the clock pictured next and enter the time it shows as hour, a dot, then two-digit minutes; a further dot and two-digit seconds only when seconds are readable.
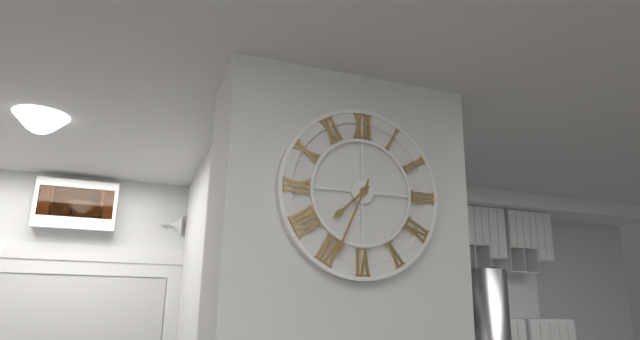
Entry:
7.34
